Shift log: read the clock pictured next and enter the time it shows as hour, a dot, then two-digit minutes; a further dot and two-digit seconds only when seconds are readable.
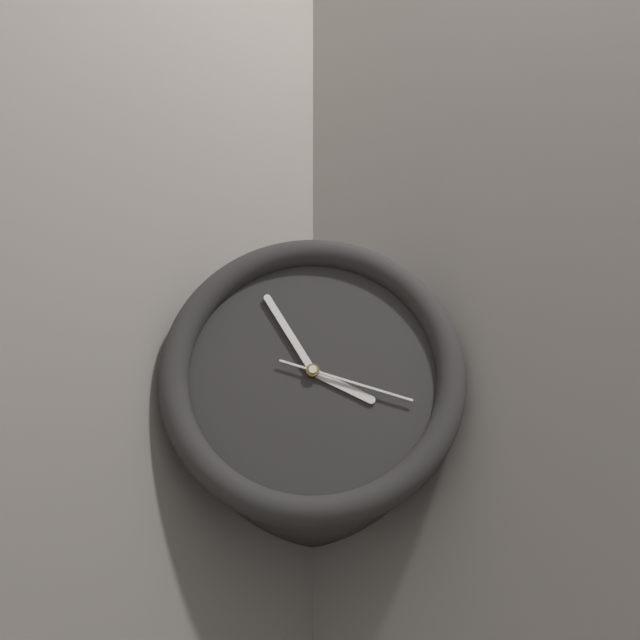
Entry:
3.55.18
